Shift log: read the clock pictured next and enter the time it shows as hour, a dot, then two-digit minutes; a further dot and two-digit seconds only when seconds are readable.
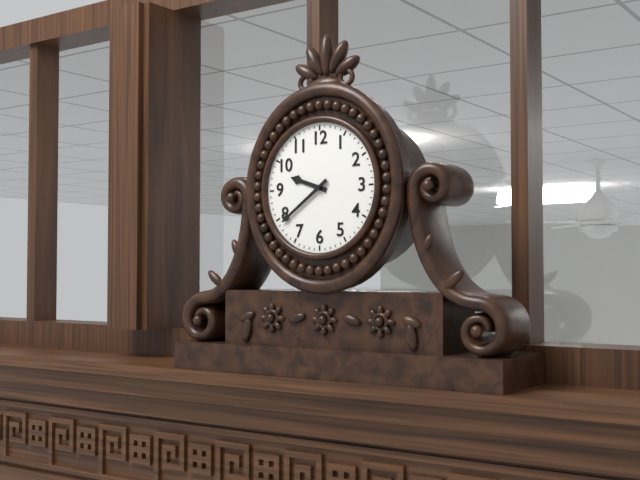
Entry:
9.39
